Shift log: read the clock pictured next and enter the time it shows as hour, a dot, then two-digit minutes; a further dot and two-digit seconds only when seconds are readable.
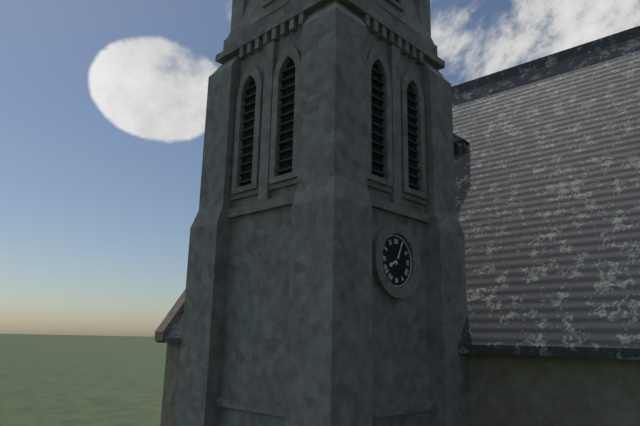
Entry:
8.04
